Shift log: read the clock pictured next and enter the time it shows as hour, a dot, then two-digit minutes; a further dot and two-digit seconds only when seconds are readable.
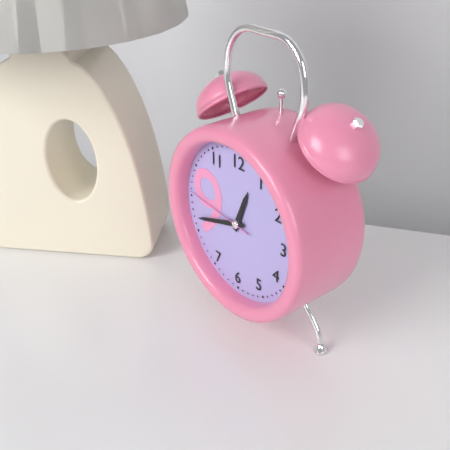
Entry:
12.42.46
